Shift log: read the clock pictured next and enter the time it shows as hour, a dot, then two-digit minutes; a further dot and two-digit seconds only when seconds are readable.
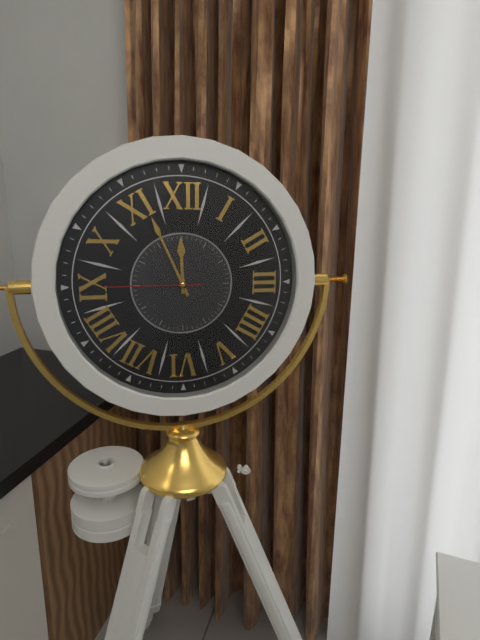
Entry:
11.56.45
